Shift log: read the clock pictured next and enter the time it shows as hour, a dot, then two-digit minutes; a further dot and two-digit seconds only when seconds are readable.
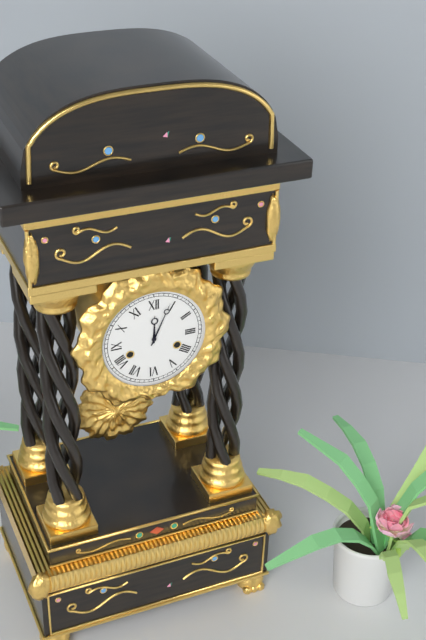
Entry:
12.04
